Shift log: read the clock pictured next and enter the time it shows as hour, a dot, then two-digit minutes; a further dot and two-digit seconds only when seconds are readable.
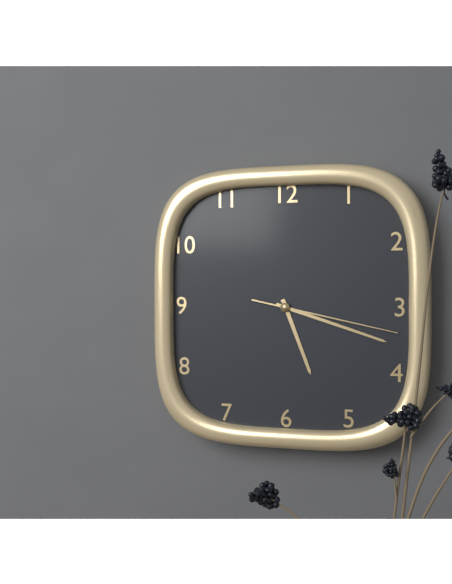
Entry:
5.18.17
